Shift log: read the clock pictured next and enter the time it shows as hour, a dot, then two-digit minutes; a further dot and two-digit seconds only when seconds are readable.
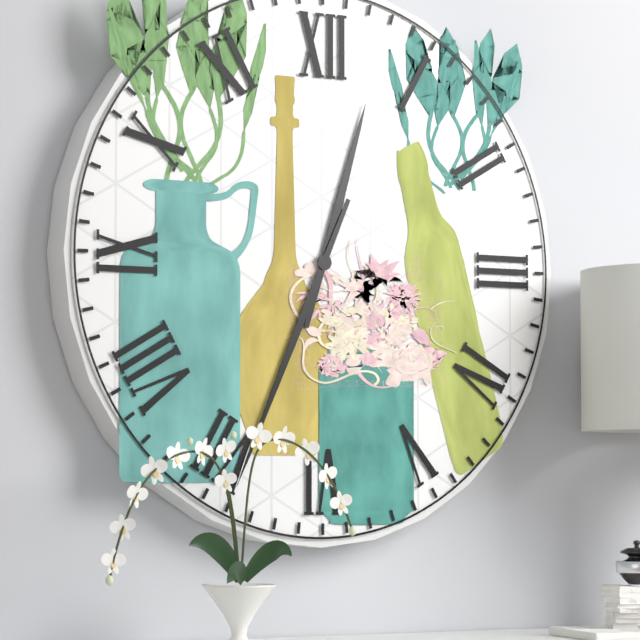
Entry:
12.34
